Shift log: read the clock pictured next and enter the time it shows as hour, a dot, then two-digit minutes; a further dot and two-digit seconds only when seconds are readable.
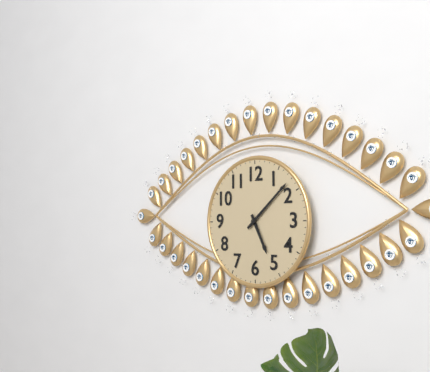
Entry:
5.08
